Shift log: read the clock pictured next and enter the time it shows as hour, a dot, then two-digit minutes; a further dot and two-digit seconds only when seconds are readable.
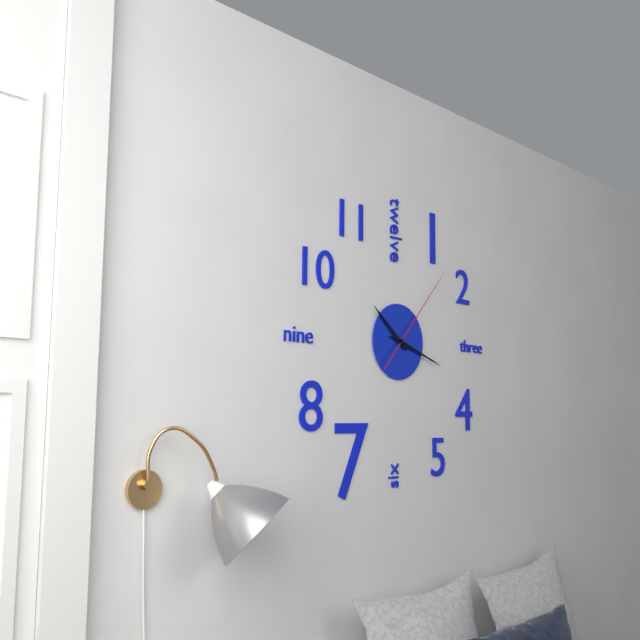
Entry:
10.18.07
